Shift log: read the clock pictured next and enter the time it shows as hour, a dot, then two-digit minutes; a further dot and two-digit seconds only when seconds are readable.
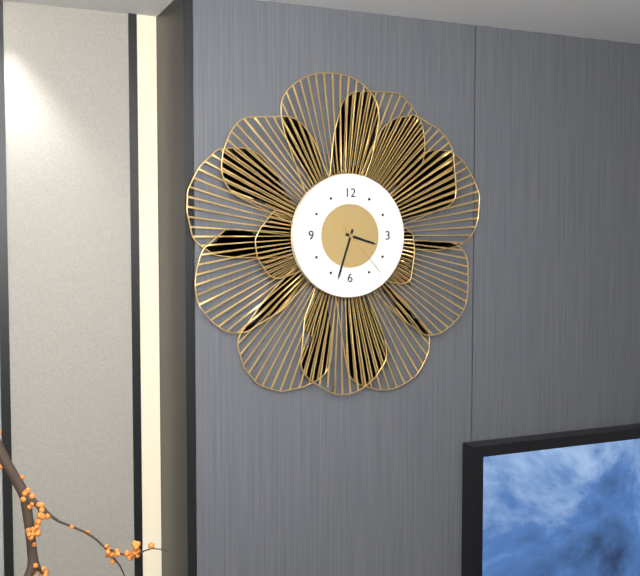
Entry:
3.33.23
